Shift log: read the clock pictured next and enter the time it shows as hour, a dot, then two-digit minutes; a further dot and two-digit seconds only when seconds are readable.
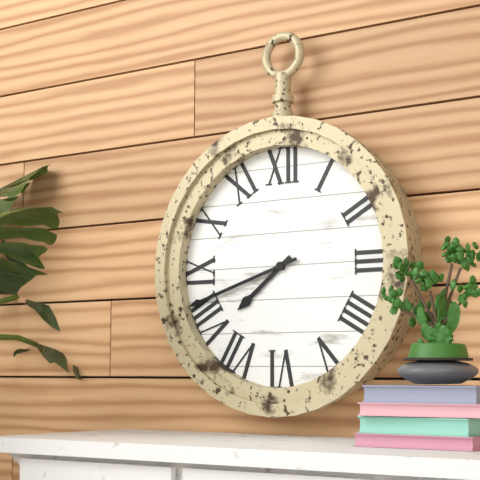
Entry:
7.42
